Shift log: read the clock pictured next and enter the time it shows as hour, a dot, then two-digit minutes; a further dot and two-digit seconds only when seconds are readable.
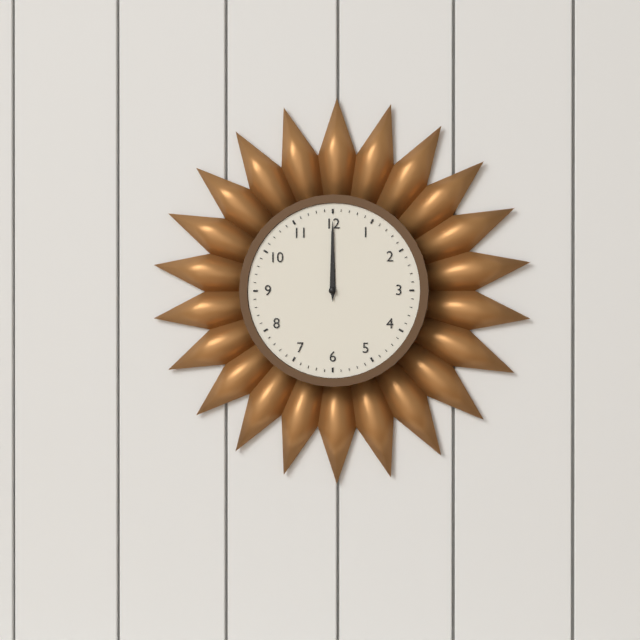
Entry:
12.00
